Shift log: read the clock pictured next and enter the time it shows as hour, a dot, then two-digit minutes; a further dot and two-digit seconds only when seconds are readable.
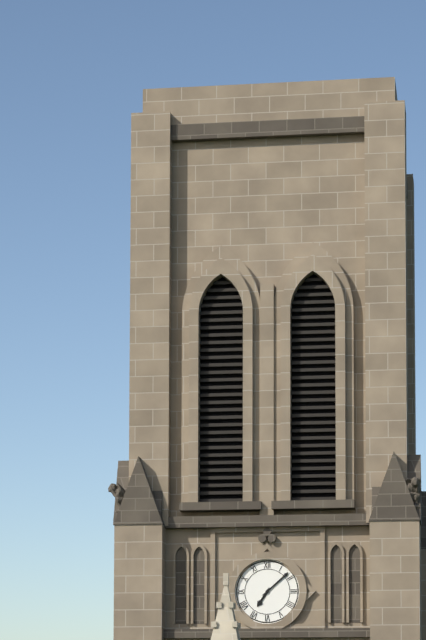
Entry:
7.08
